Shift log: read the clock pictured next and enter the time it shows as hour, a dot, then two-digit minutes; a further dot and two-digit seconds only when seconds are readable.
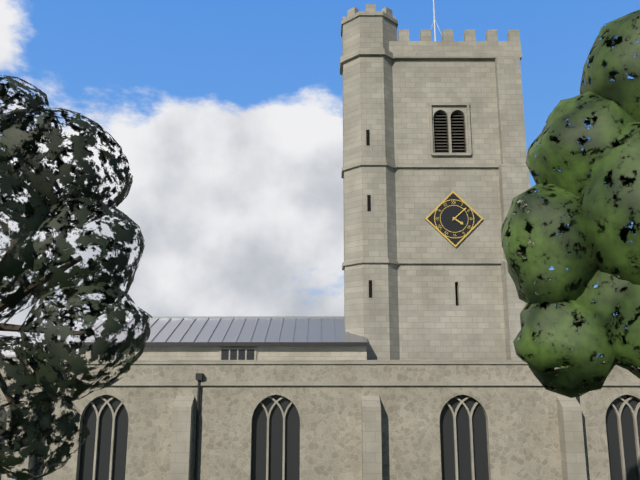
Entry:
4.08
